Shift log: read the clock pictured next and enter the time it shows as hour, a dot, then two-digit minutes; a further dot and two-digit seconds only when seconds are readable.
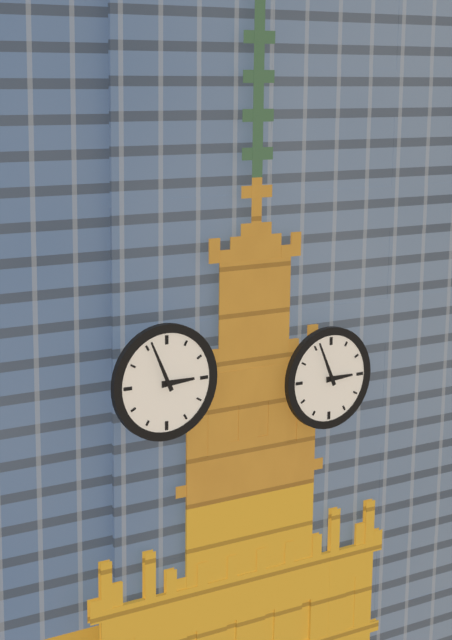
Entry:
2.56
